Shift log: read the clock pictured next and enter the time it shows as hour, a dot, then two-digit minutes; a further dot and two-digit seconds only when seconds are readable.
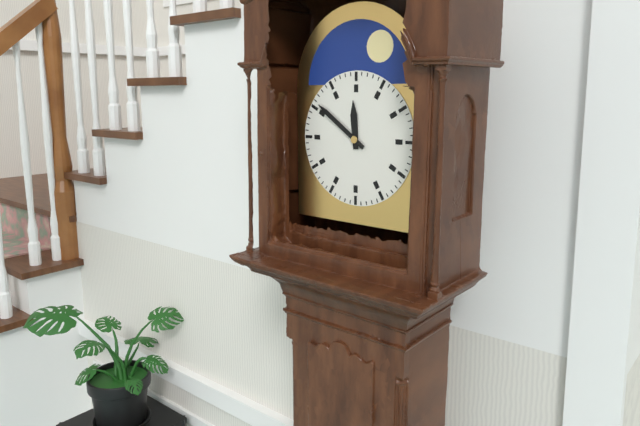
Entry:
11.51
